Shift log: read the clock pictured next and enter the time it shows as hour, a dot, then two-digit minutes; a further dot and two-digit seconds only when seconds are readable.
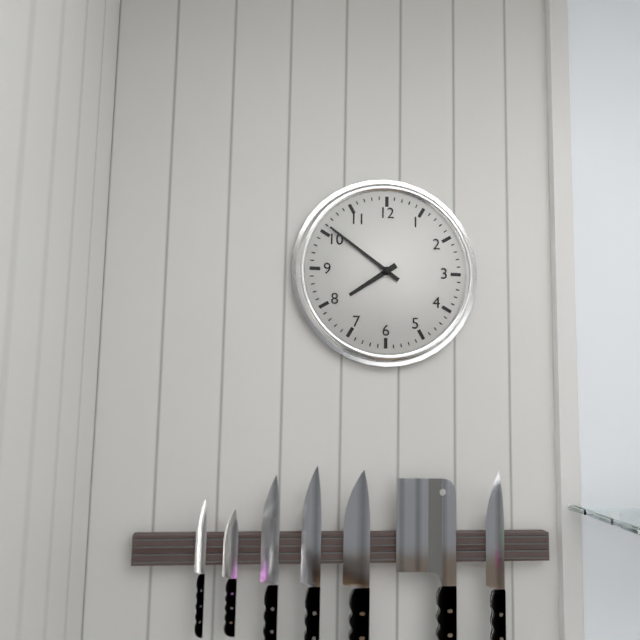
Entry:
7.51
